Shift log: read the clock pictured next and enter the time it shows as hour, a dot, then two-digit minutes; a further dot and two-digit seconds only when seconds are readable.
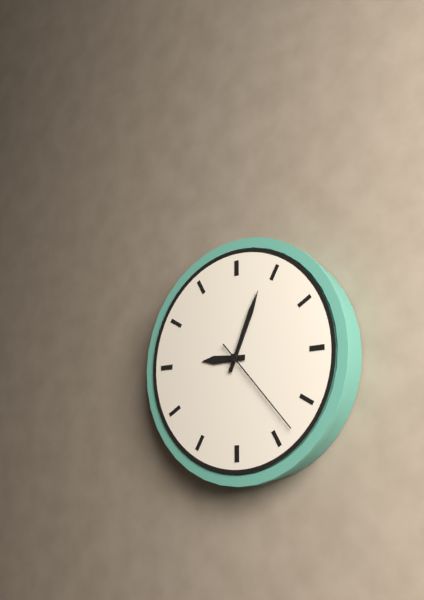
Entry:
9.04.23
